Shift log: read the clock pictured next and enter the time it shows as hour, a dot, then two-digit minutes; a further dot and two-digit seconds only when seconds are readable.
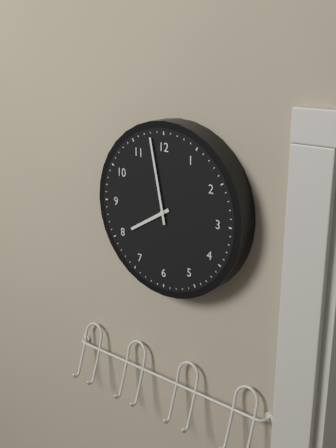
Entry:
7.58
